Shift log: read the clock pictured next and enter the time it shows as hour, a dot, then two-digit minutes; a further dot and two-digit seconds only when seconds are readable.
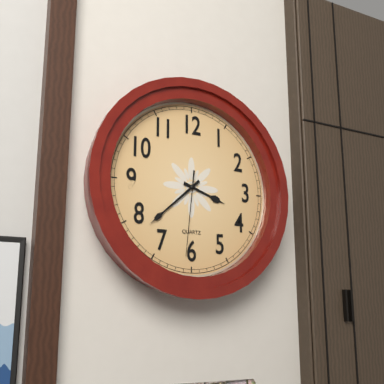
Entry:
3.38.31
